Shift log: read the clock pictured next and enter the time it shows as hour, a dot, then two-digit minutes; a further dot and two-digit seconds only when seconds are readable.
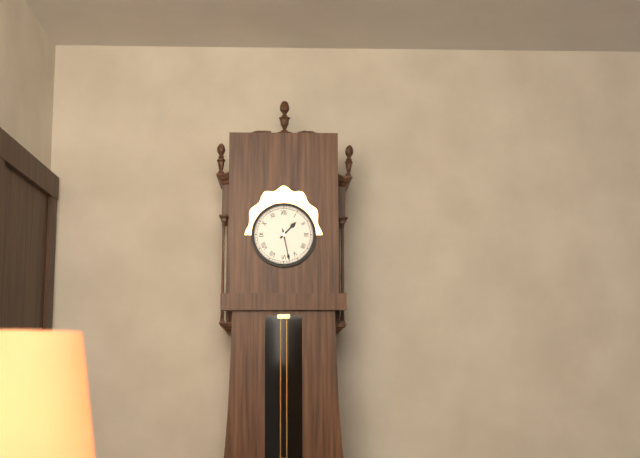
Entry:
1.28
